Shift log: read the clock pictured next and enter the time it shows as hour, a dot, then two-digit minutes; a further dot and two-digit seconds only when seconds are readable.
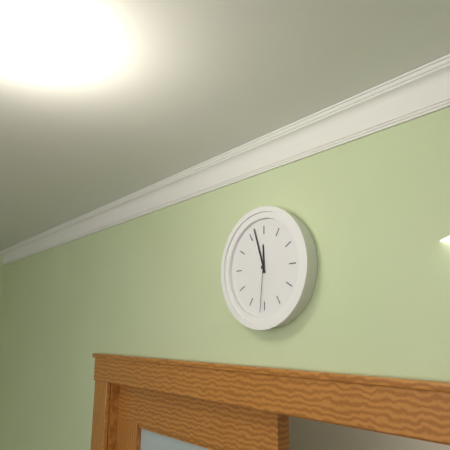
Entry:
11.57.31
